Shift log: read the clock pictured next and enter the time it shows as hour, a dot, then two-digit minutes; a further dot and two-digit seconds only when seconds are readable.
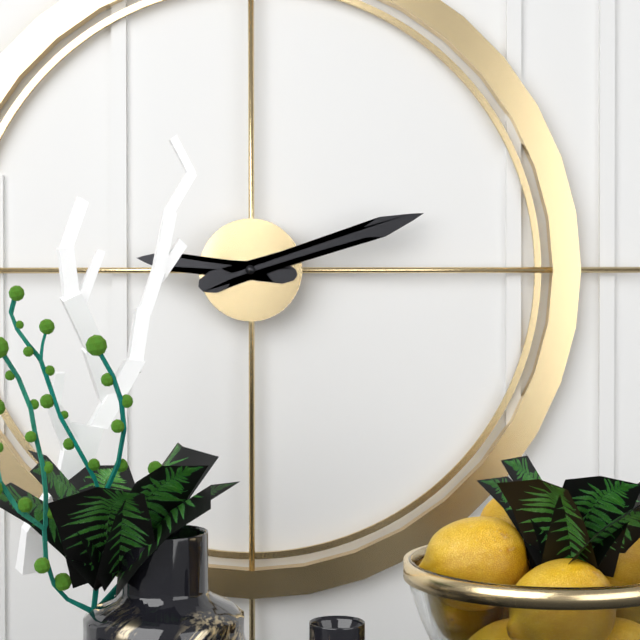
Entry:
9.12
